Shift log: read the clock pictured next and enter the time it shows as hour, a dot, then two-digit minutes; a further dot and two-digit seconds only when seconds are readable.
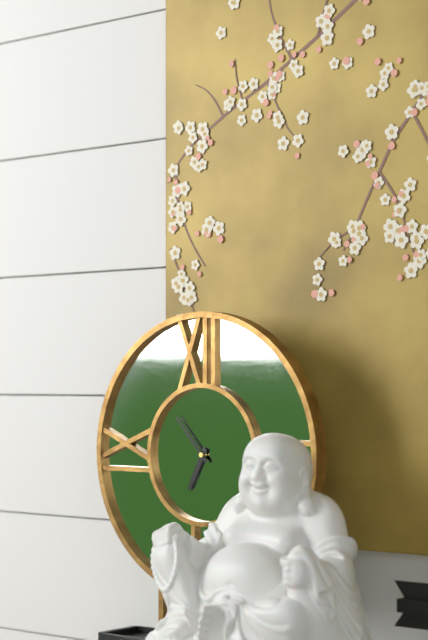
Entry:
6.53
